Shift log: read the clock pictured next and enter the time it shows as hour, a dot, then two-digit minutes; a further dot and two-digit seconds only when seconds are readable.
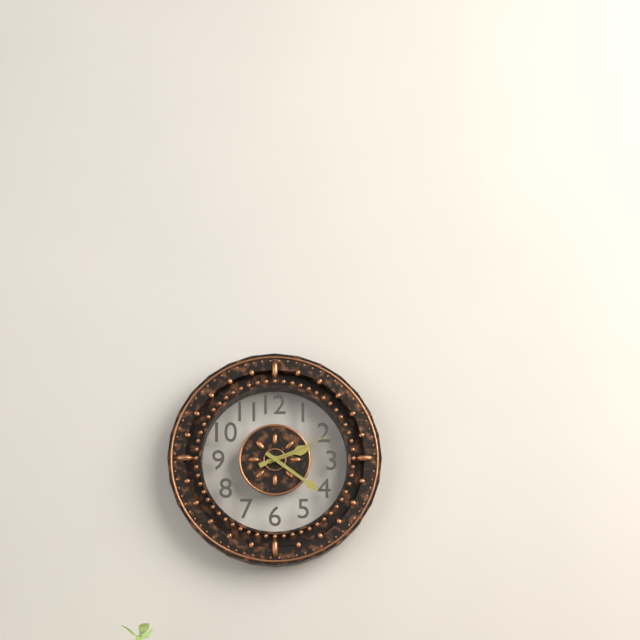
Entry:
2.21.11
